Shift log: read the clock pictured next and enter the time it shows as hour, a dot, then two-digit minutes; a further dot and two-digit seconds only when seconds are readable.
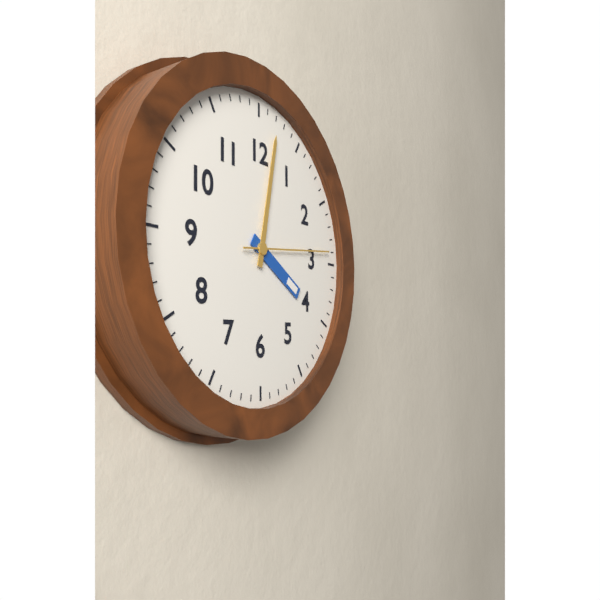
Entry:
4.02.14
